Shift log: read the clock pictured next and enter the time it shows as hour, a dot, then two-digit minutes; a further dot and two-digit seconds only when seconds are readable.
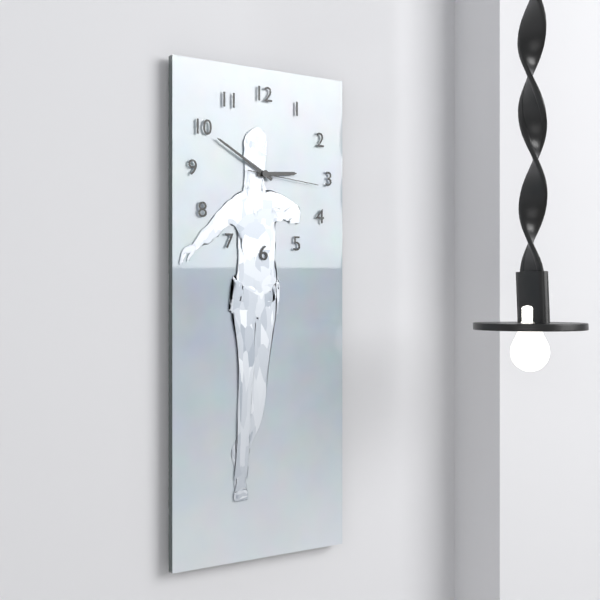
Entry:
2.50.16
